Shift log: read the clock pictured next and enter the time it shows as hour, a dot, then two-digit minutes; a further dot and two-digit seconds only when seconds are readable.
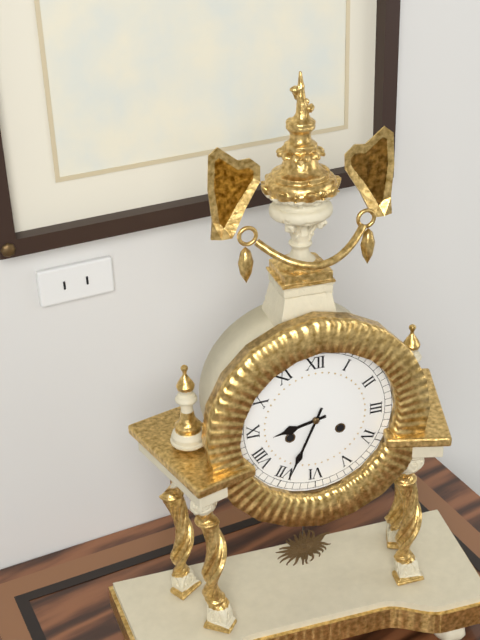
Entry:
8.34
